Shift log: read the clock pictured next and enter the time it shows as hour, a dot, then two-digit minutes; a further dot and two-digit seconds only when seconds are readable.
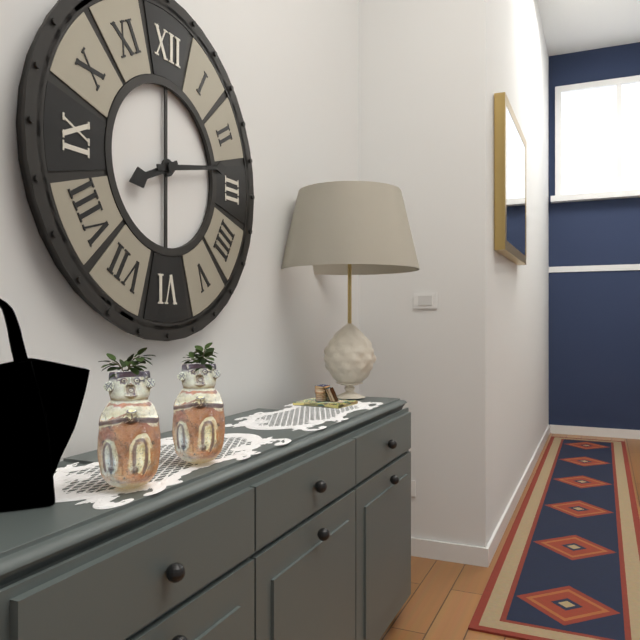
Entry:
8.13
